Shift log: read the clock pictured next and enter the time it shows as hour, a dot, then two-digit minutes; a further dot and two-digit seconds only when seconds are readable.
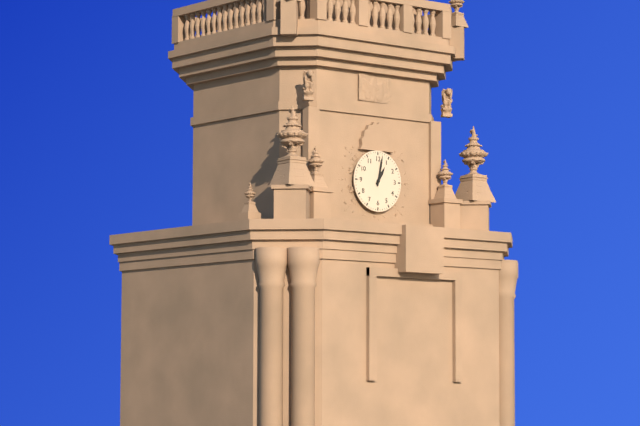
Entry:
1.02
